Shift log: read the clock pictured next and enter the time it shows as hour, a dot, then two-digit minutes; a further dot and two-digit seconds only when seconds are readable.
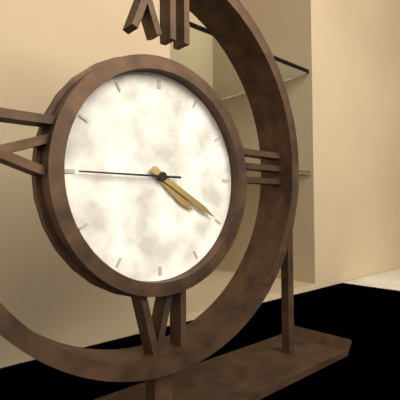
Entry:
4.20.45
